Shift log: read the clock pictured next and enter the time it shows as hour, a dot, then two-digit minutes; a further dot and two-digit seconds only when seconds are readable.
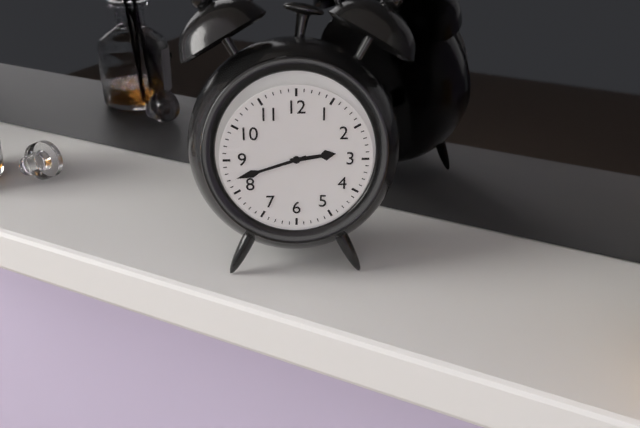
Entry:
2.42
